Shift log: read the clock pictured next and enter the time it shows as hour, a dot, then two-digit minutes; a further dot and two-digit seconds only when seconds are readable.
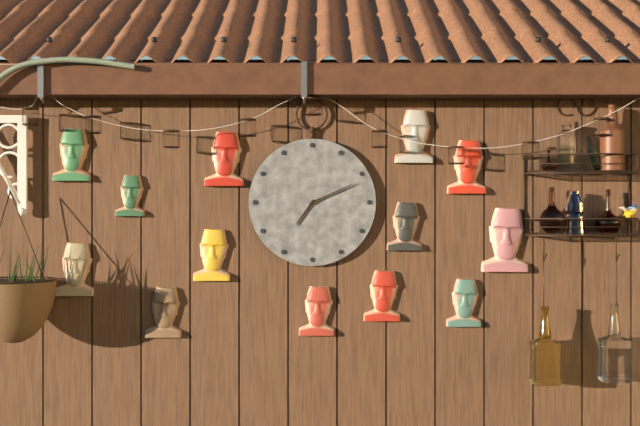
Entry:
7.11
